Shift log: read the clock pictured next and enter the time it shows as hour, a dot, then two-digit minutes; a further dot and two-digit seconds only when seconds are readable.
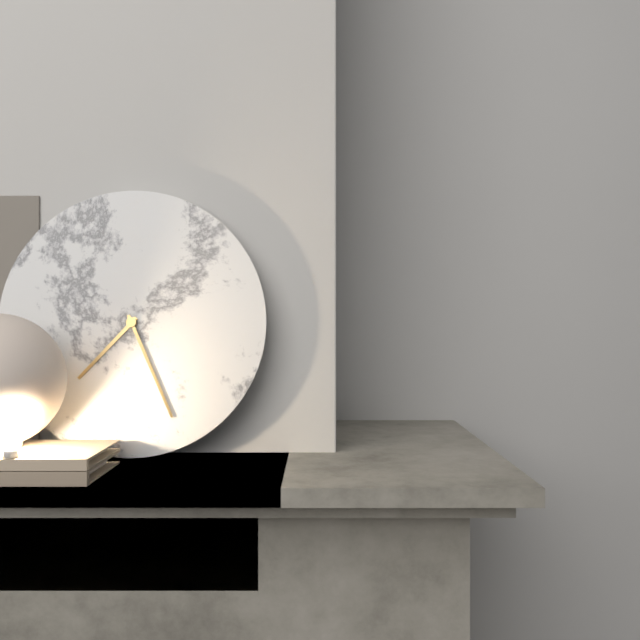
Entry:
7.26
